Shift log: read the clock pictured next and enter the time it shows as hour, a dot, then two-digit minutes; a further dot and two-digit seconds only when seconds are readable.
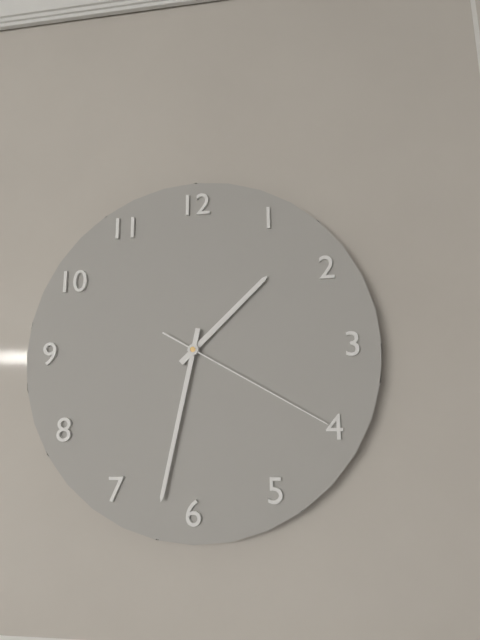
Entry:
1.32.20
